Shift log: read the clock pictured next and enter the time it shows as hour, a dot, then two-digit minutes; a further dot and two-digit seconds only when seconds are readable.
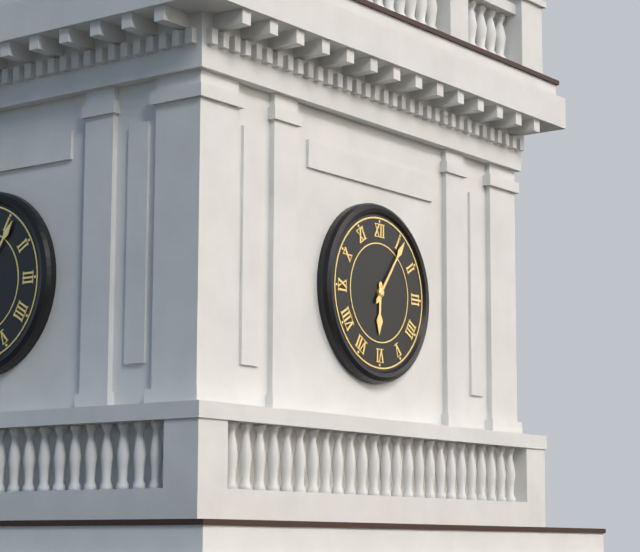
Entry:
6.06
